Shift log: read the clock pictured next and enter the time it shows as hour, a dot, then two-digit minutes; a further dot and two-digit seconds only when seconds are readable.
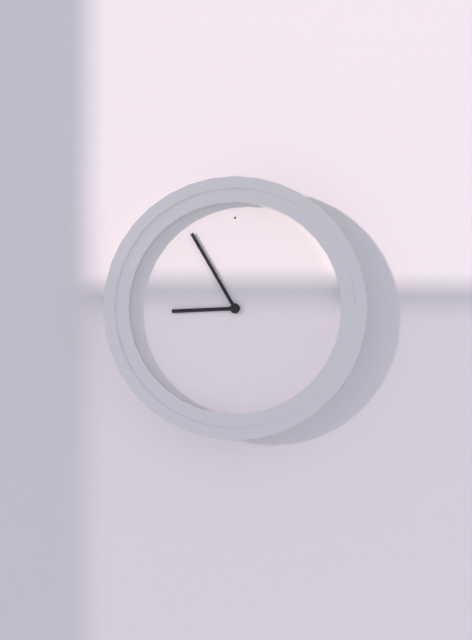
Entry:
8.55
